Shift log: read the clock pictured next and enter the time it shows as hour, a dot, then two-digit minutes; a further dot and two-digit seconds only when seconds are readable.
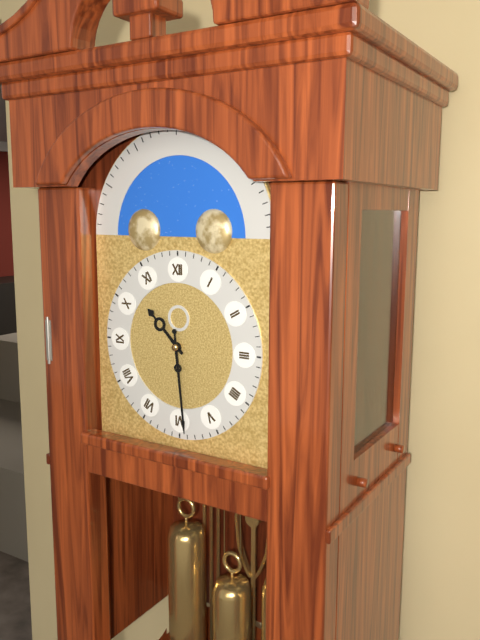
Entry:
10.29
